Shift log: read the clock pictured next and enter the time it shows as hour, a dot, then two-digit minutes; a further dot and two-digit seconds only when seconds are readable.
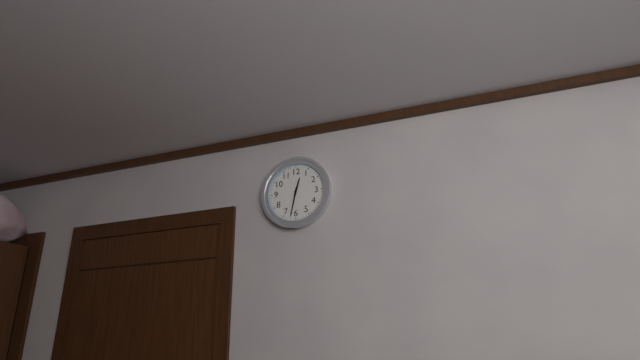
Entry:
12.32
